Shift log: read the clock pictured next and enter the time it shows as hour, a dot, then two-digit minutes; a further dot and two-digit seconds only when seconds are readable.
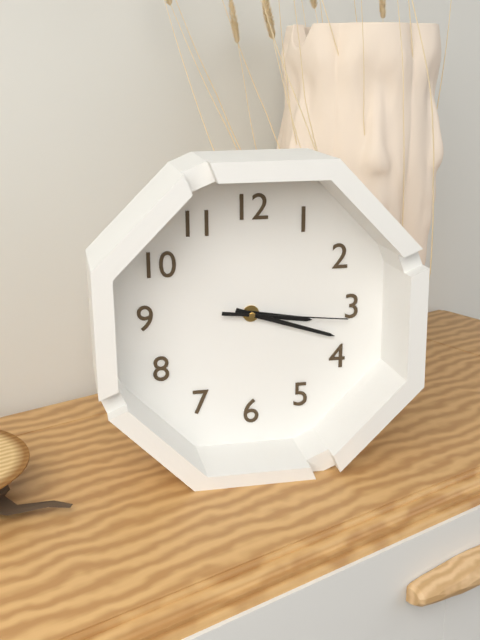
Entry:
3.18.16
